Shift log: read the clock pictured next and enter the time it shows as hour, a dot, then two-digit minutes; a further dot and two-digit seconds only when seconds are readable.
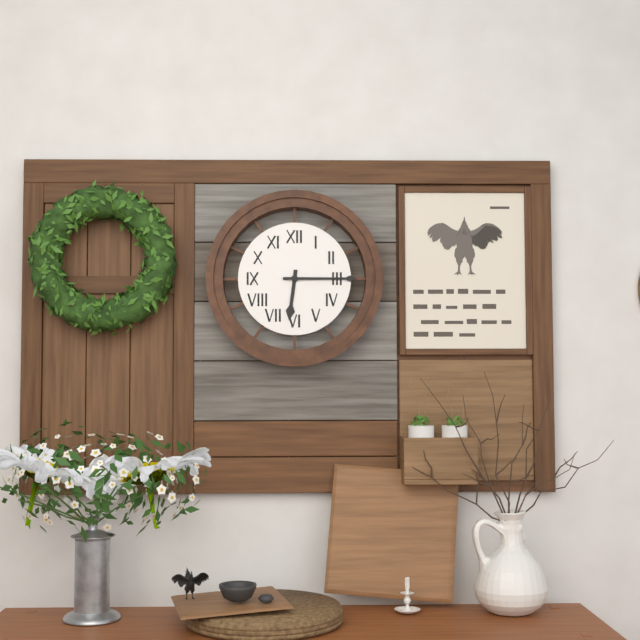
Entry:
6.15
